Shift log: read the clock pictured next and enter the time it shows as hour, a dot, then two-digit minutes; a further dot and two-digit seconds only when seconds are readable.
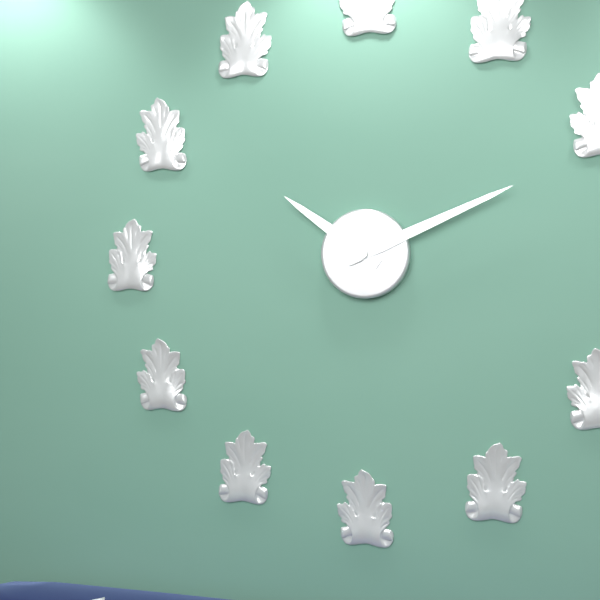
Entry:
10.11
